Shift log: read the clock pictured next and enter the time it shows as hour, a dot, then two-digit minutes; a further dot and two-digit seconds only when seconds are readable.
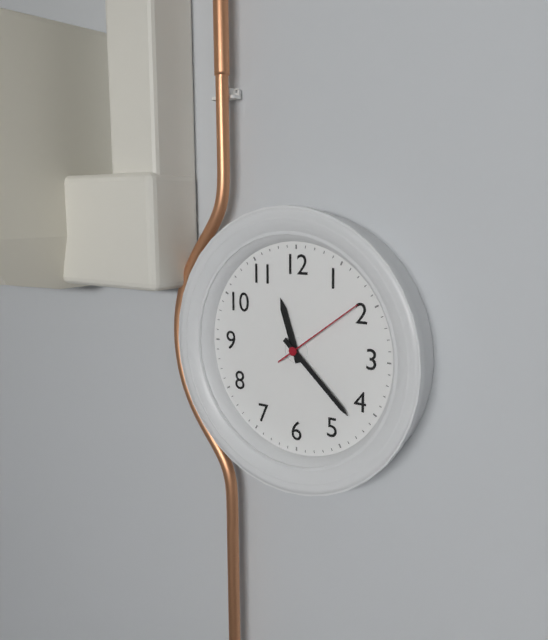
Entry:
11.22.09
